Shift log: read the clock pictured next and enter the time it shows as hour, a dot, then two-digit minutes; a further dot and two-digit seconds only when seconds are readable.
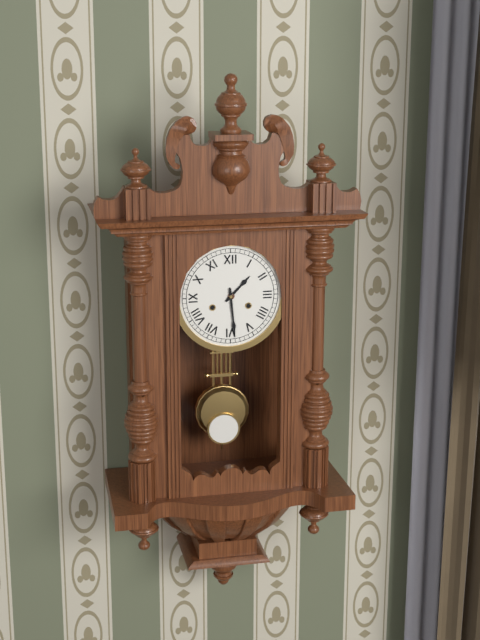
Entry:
1.29
